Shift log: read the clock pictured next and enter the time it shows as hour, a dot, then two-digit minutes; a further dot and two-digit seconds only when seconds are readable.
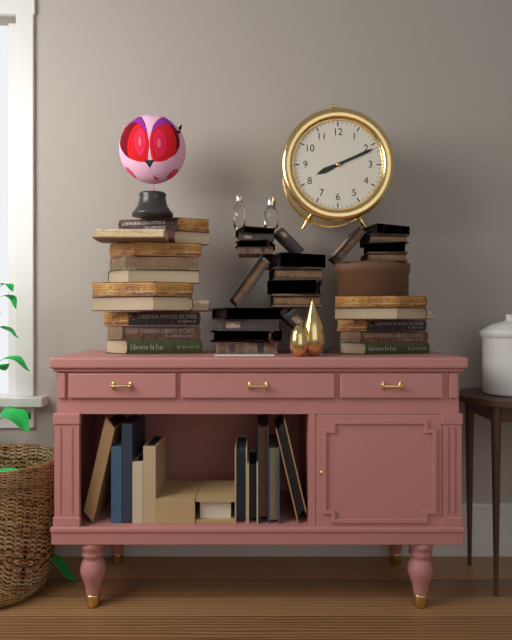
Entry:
8.11
